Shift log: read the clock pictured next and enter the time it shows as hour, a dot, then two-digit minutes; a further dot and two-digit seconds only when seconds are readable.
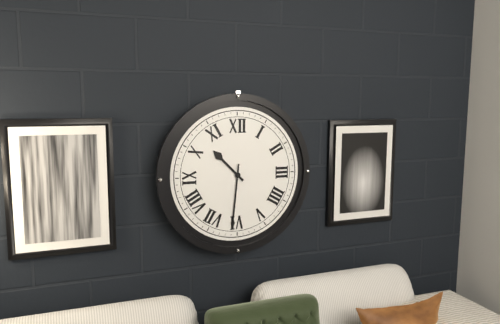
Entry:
10.31
